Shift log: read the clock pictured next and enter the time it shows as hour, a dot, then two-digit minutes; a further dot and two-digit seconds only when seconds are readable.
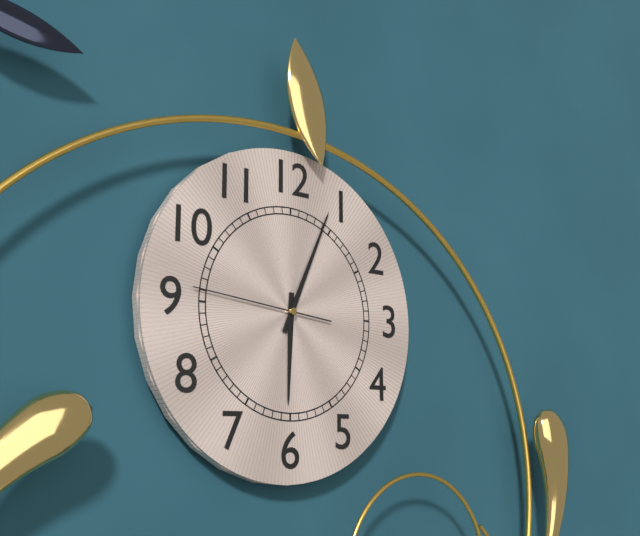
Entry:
6.04.46
